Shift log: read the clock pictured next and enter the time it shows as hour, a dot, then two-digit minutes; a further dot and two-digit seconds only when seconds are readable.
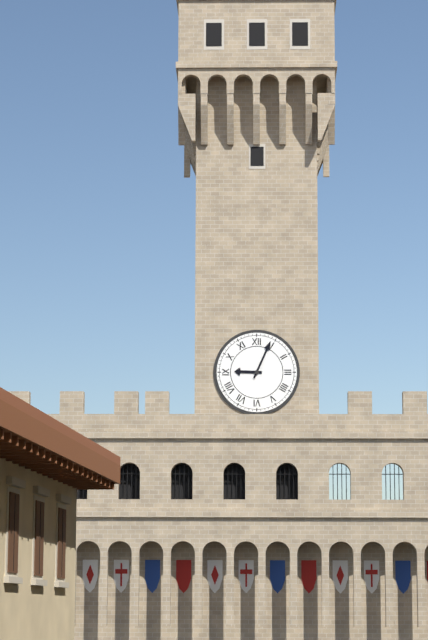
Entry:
9.04
